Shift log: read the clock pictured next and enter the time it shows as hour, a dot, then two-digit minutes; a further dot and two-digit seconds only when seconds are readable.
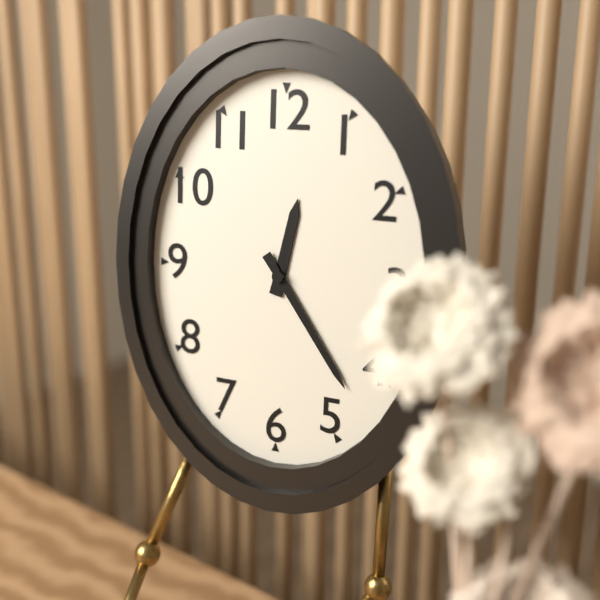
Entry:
12.24
